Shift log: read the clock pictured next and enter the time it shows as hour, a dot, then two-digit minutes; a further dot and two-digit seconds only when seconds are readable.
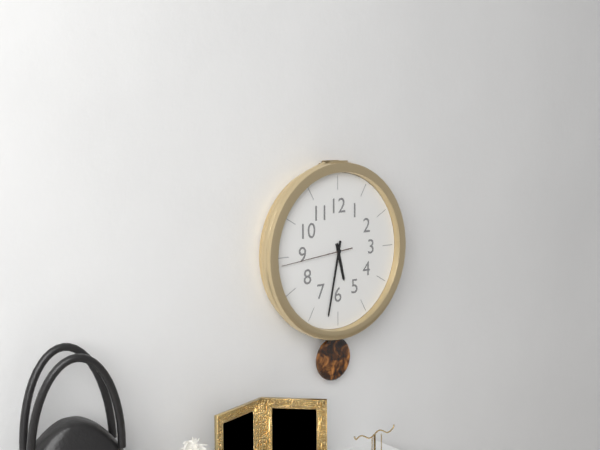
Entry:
5.32.44
